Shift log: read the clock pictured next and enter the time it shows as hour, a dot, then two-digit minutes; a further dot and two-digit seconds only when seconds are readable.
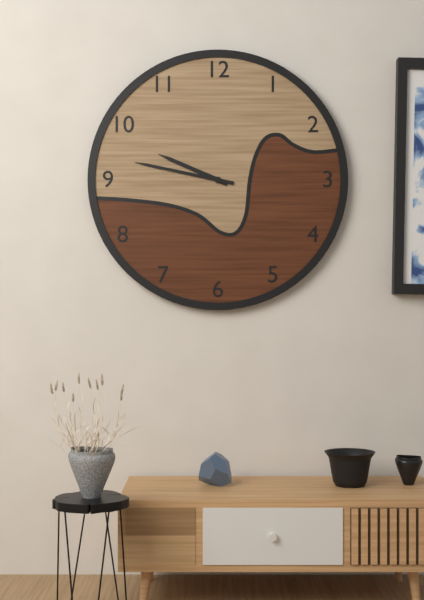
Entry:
9.47
